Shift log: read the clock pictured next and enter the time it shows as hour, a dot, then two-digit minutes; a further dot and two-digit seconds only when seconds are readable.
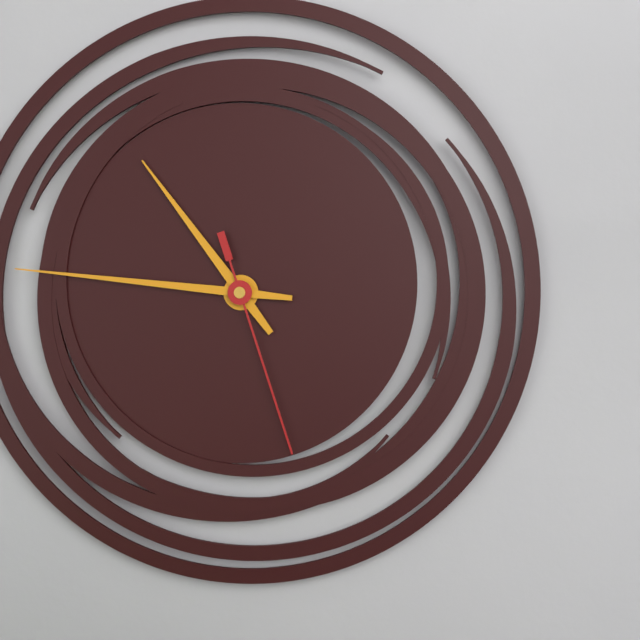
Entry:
10.46.27
